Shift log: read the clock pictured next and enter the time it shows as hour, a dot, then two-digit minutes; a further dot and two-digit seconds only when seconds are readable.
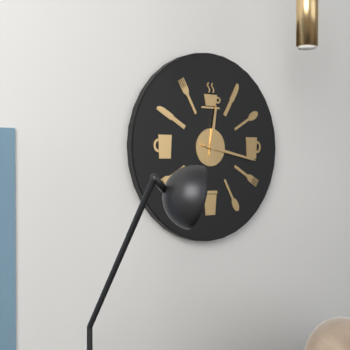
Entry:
12.17
